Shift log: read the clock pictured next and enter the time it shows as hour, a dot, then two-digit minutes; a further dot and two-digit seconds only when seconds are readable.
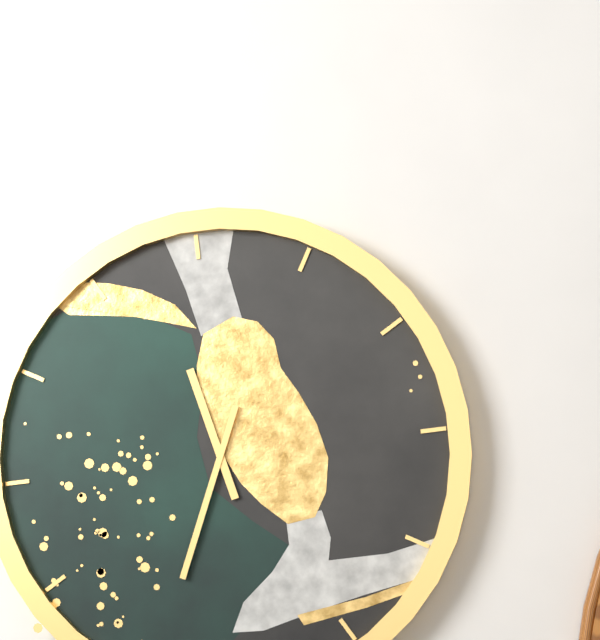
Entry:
11.34
